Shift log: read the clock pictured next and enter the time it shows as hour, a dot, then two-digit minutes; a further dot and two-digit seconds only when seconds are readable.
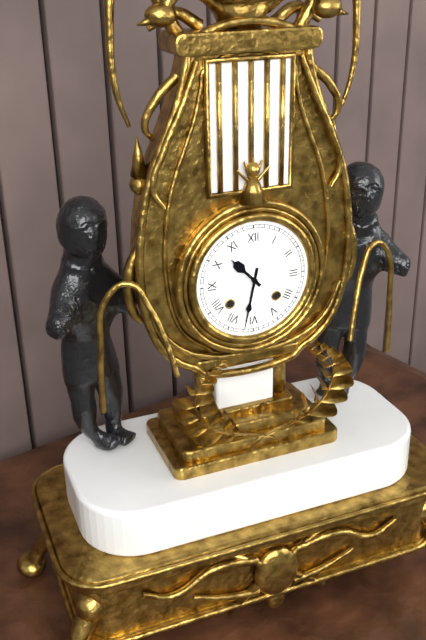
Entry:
10.32
